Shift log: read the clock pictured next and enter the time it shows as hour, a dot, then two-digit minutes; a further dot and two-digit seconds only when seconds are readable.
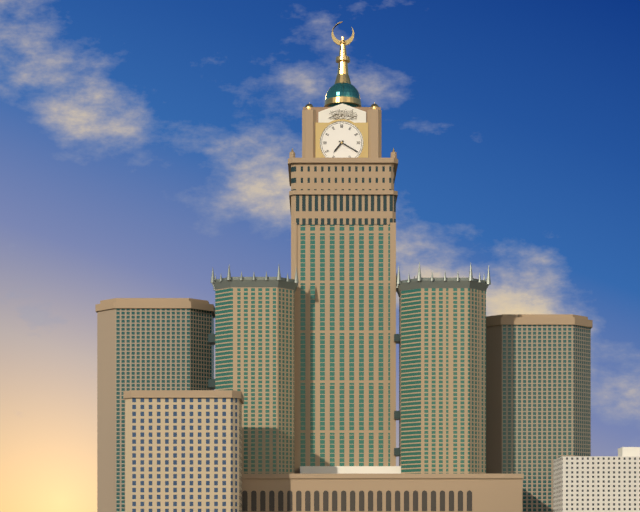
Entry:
7.20
